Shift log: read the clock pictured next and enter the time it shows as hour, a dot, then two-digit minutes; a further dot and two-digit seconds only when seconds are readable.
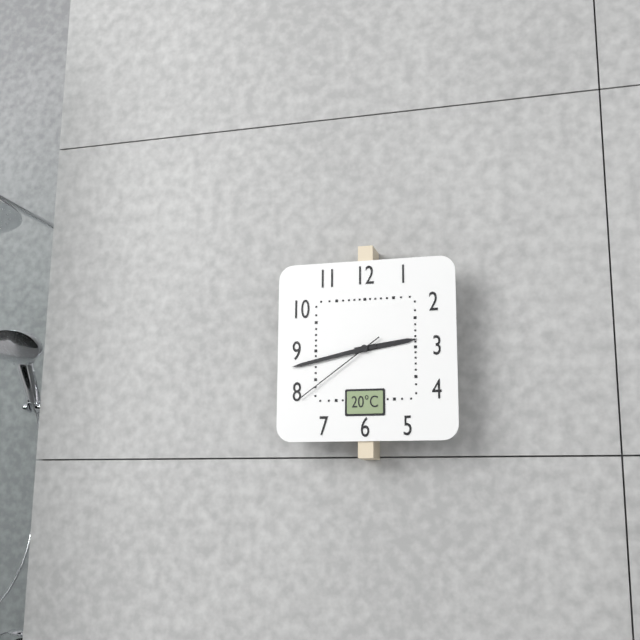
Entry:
2.43.39
